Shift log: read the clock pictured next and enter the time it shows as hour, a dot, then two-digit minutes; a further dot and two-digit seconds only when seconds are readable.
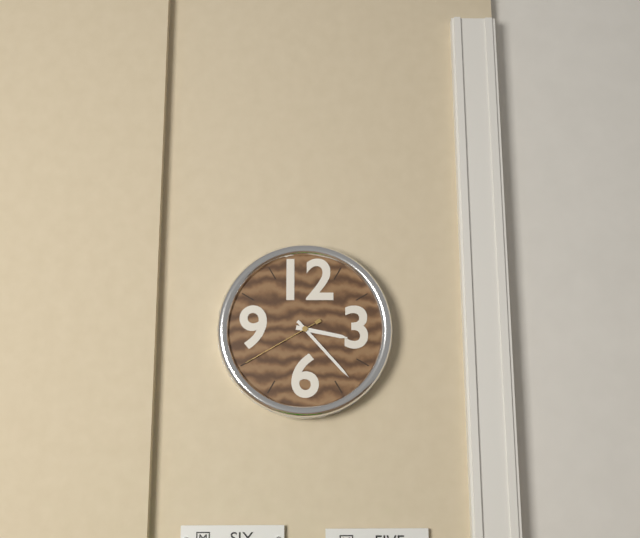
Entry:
3.23.40
